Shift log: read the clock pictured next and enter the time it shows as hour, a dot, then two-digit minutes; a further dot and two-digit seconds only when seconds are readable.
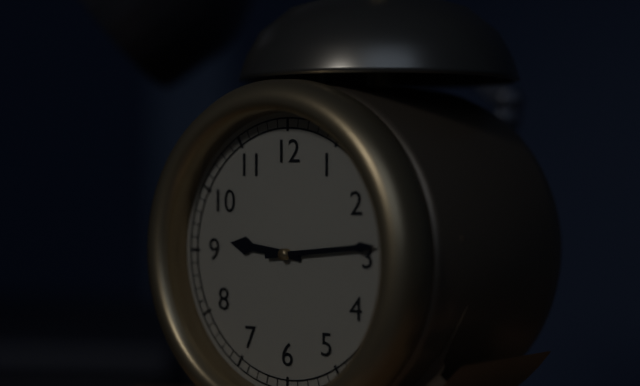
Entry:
9.14
